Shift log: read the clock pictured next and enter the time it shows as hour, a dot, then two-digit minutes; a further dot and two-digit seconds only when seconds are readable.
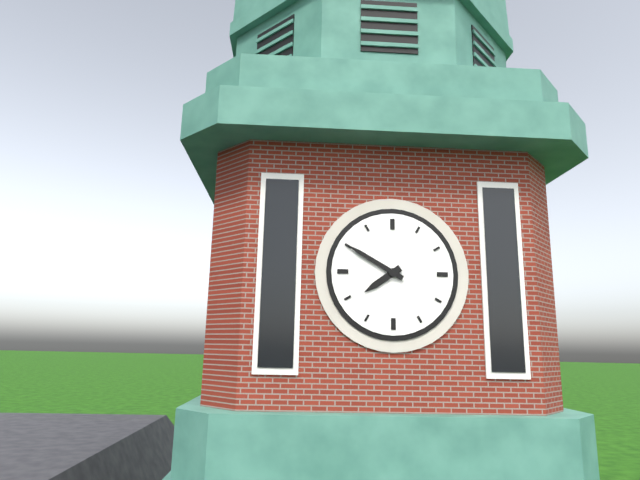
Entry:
7.50
